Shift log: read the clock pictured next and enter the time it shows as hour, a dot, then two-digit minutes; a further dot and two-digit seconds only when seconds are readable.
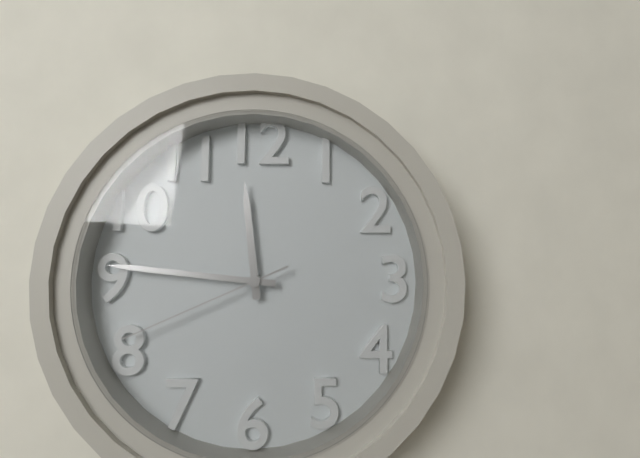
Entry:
11.46.41
